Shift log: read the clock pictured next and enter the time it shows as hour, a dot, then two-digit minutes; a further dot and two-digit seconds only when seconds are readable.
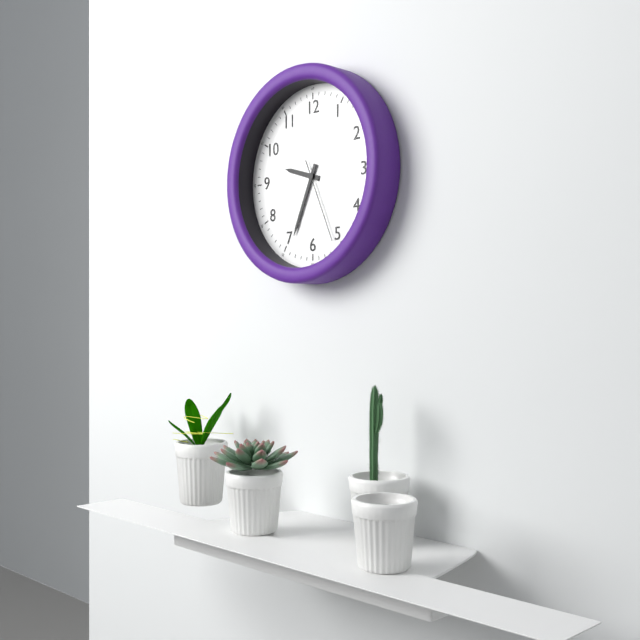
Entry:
9.34.26
